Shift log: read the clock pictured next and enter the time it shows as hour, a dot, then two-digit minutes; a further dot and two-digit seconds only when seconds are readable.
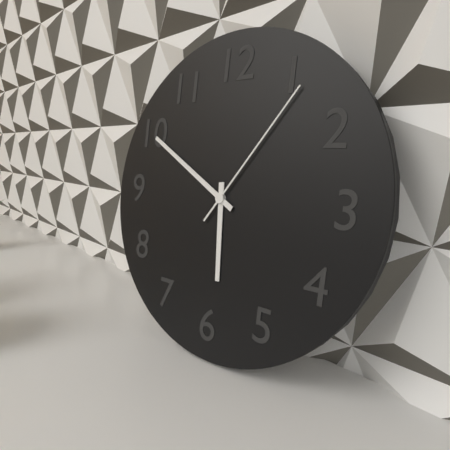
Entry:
5.50.06
